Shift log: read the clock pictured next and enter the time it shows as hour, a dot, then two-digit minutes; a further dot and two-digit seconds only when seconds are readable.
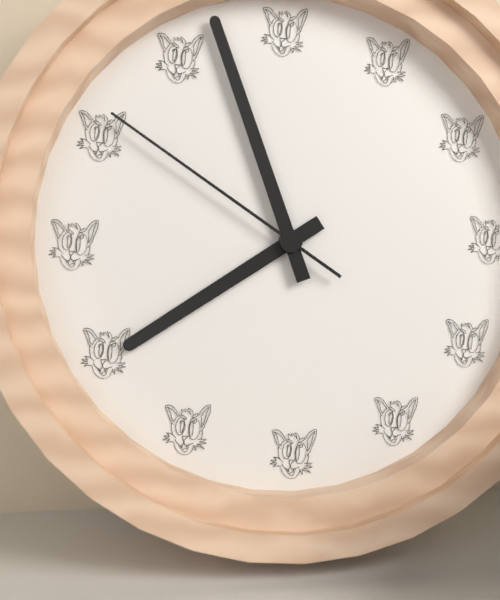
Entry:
7.57.51
